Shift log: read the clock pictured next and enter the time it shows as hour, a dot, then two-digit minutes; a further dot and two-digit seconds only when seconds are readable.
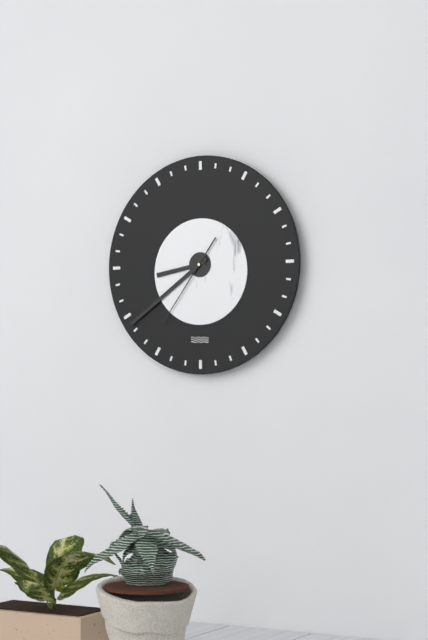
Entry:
8.39.36
